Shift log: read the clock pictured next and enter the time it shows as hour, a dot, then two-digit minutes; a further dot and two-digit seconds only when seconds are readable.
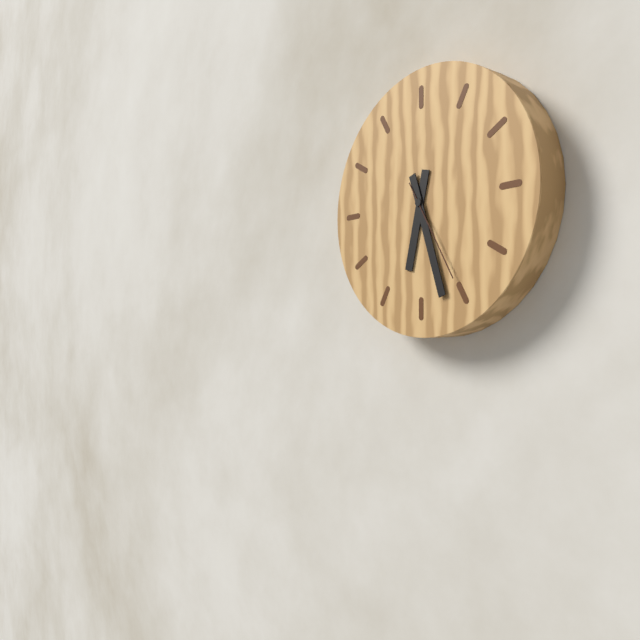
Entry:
6.27.25
